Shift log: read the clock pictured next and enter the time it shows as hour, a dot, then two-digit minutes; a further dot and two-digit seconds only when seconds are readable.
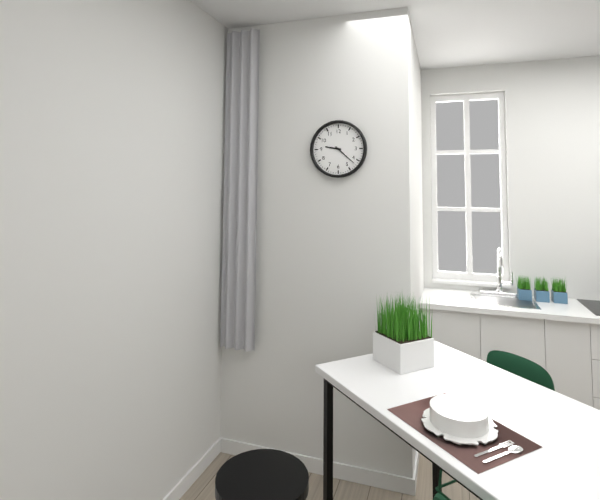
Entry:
9.22
